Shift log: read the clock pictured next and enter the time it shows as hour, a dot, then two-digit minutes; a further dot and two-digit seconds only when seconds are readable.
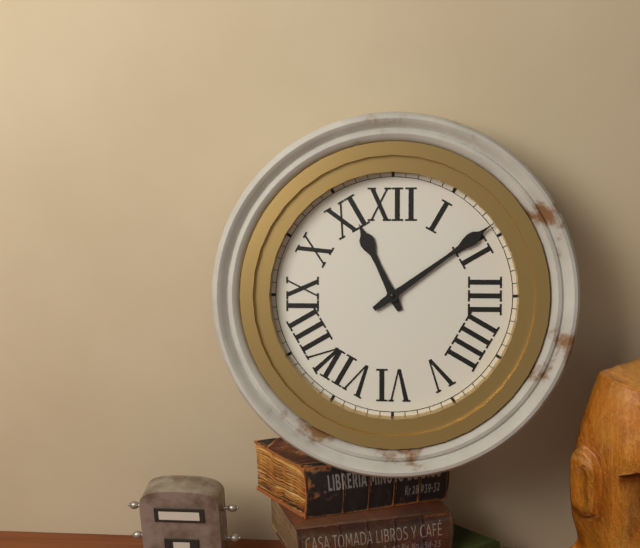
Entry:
11.09
